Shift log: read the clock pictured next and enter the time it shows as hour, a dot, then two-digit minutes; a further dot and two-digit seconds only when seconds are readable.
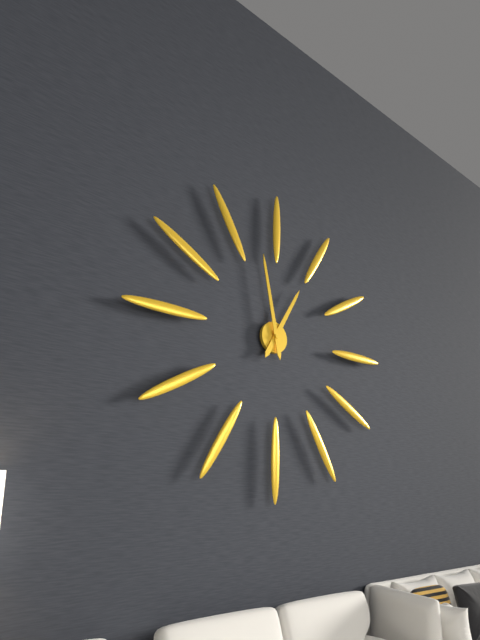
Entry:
12.58
